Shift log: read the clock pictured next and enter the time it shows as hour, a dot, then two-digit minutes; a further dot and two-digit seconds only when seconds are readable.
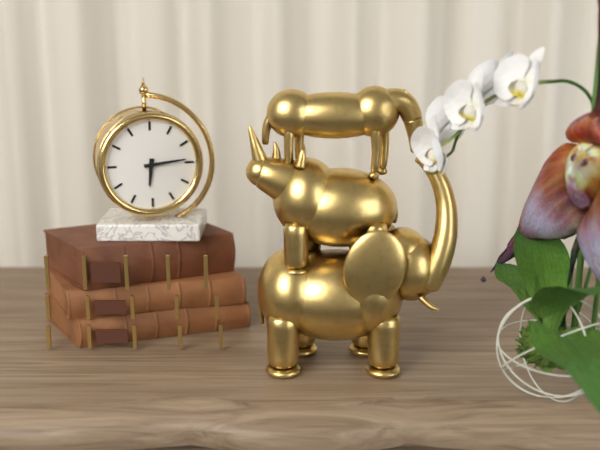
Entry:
6.14
